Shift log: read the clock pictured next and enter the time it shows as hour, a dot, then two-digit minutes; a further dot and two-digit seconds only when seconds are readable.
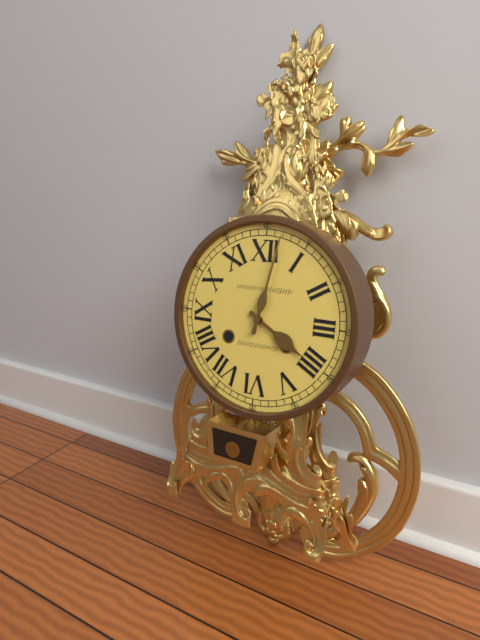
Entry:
4.02
